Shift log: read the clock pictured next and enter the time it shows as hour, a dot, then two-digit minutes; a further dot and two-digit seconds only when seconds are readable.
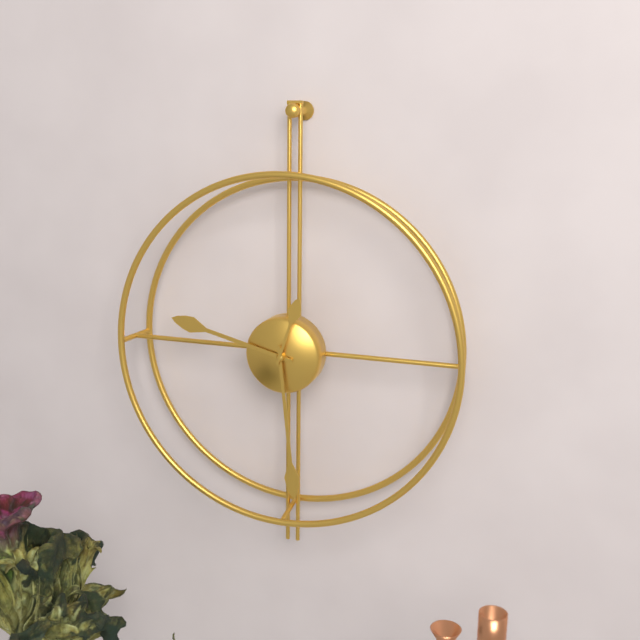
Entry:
9.29.03
